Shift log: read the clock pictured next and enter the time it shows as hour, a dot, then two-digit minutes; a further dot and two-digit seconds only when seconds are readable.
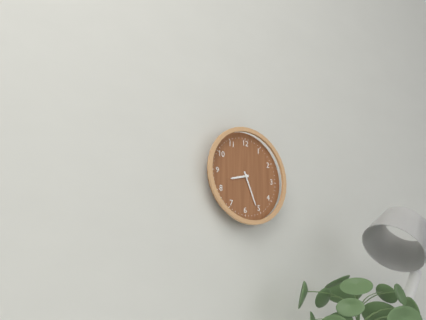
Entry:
8.26
